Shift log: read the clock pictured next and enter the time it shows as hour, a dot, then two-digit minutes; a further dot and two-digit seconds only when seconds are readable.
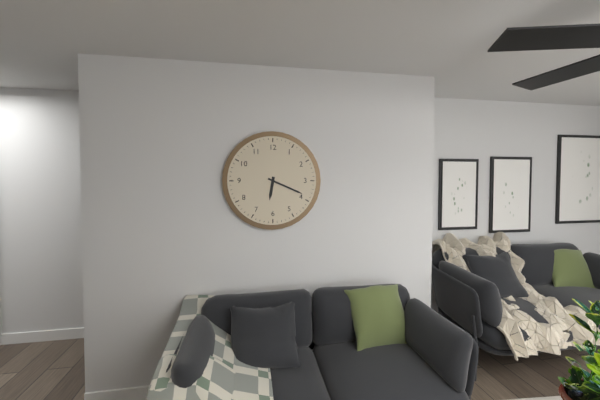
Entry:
6.19
